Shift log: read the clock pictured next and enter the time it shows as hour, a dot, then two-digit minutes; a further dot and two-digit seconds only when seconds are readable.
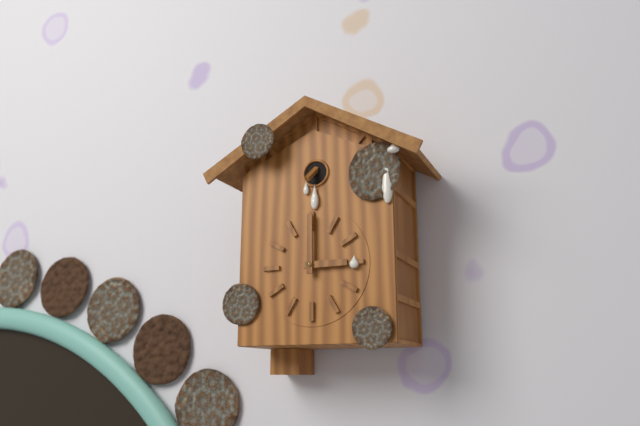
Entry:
3.00
